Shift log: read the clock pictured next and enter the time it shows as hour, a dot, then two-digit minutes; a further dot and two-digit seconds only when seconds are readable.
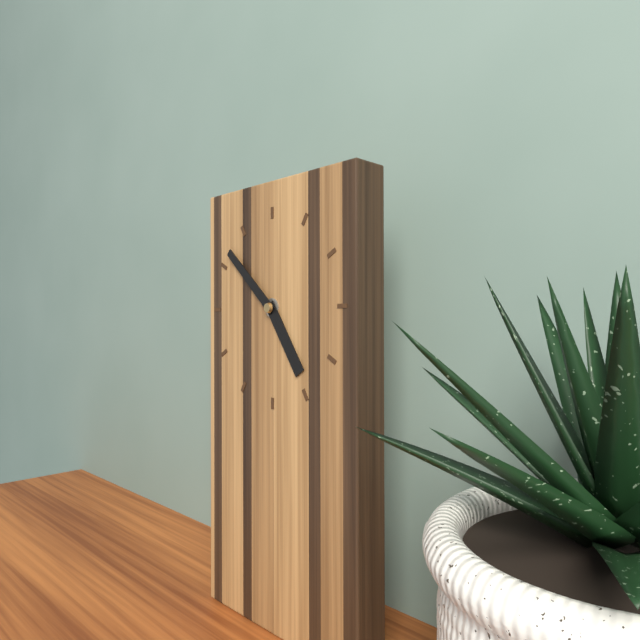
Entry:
4.52
